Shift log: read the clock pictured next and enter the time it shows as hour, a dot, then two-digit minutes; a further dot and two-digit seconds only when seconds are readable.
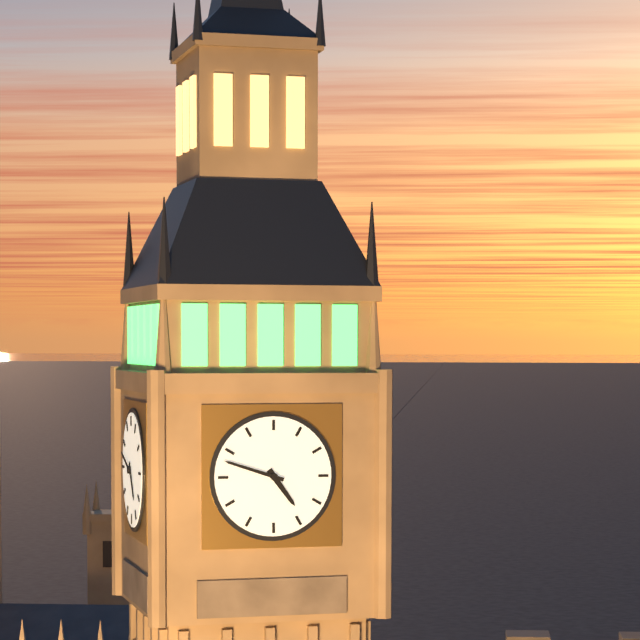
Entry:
4.48
